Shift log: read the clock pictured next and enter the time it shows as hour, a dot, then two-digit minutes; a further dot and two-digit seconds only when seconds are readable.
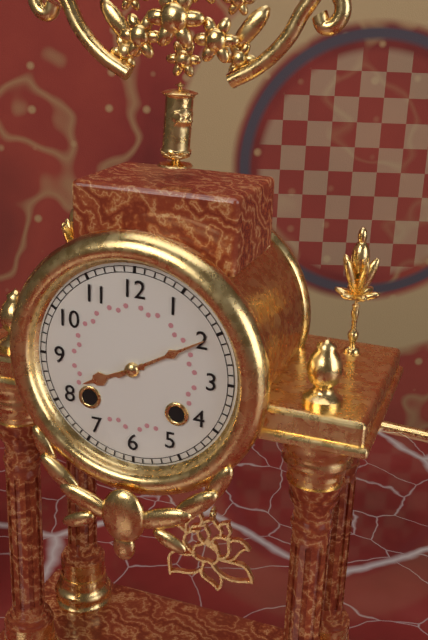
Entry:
8.10
